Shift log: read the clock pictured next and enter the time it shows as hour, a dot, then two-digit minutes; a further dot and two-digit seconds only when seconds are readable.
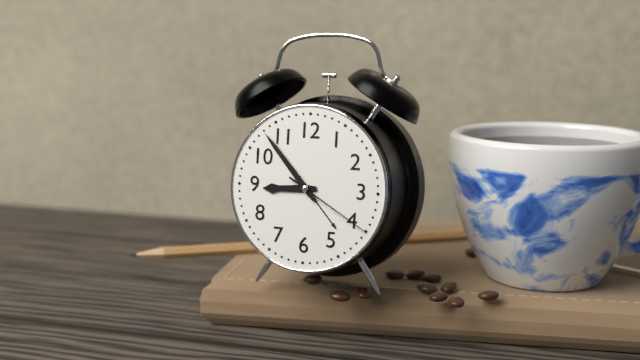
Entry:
8.53.20
